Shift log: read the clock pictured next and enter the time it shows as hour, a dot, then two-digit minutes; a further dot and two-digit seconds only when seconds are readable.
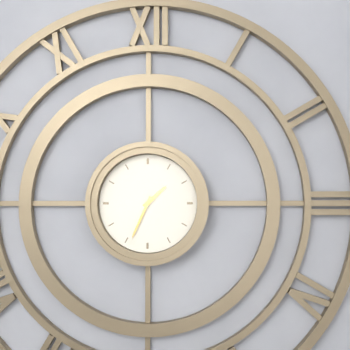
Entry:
1.34
